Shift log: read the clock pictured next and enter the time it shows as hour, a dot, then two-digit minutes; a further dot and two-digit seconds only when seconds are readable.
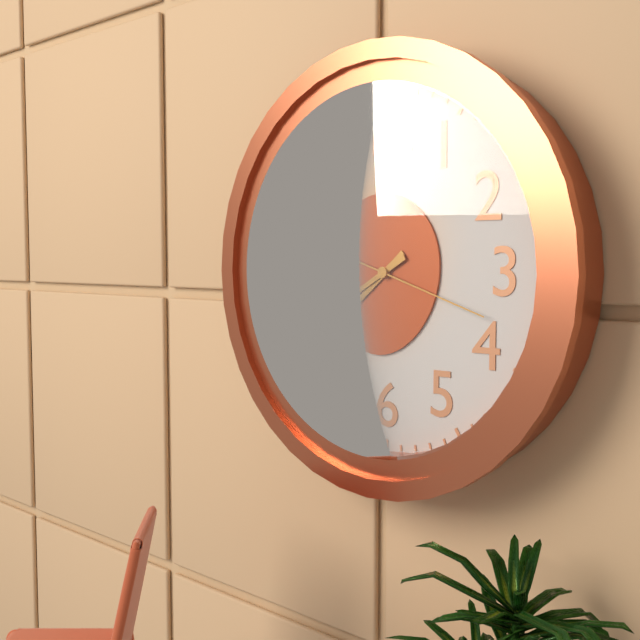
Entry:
7.40.18
